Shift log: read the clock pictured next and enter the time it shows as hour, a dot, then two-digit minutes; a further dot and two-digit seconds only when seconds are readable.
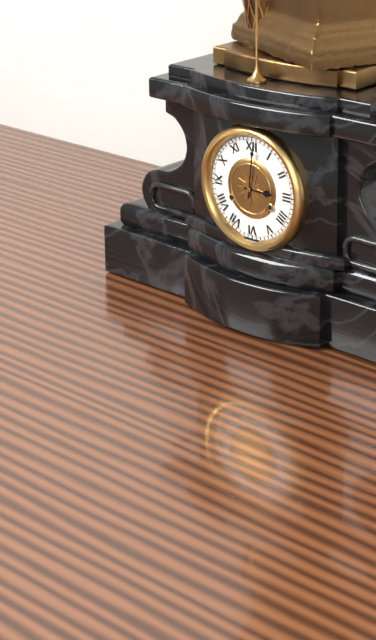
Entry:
3.01
